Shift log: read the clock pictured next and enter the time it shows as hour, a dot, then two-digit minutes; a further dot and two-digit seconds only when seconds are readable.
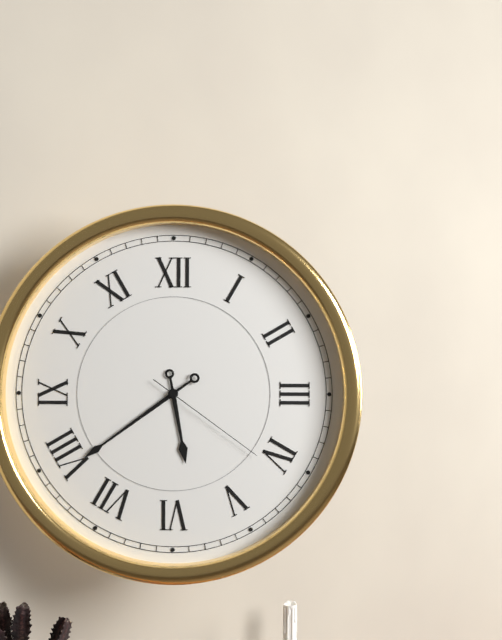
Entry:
5.39.21
